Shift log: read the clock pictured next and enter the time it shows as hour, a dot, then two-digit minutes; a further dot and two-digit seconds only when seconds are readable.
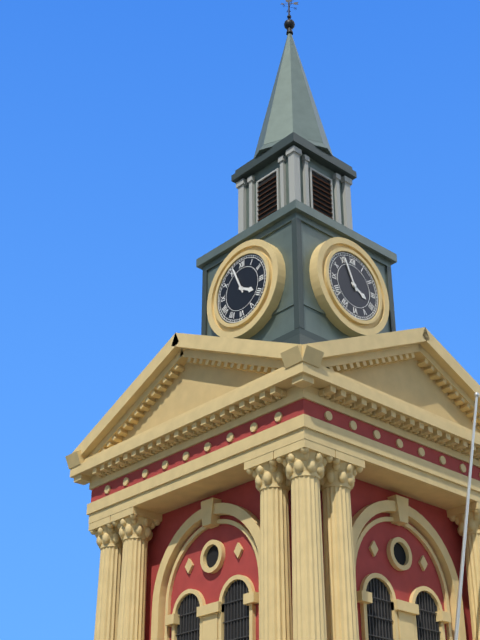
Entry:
3.56
